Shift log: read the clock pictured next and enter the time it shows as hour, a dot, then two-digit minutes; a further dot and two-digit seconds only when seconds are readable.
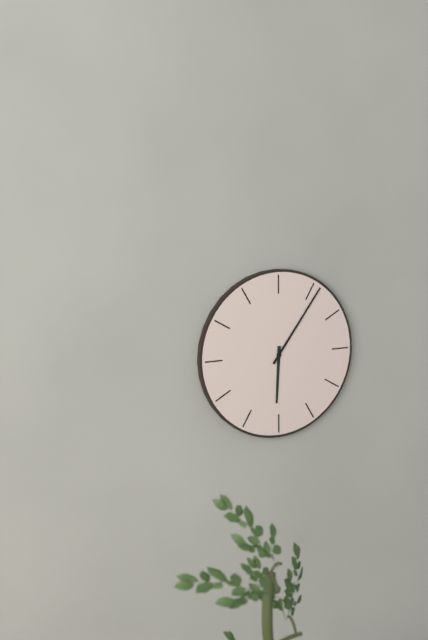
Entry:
6.06
